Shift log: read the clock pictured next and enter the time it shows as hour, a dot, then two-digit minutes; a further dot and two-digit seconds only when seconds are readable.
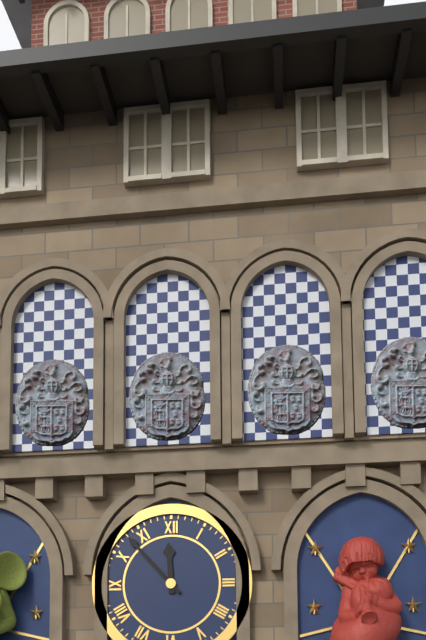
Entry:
11.53
